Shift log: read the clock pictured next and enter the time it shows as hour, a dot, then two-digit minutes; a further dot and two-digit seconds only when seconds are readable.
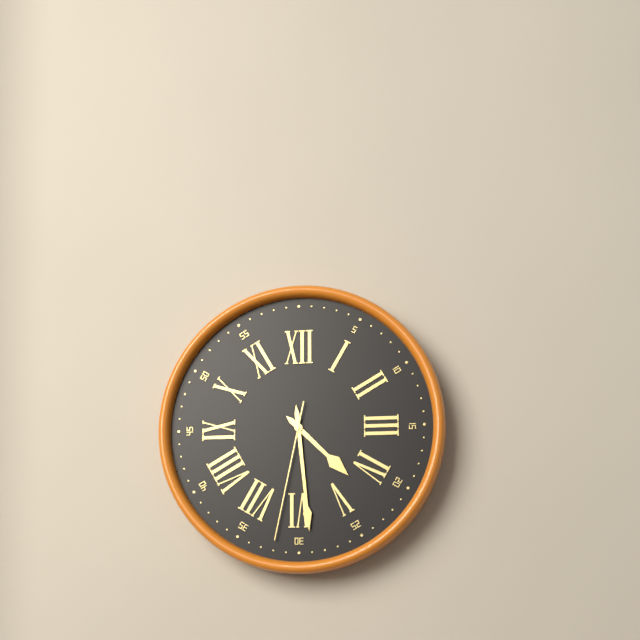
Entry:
4.29.32
